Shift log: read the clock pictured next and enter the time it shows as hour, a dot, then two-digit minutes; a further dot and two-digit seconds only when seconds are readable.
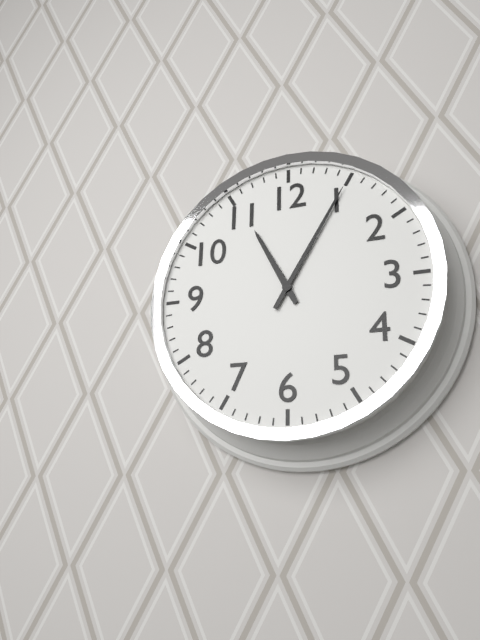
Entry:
11.05
